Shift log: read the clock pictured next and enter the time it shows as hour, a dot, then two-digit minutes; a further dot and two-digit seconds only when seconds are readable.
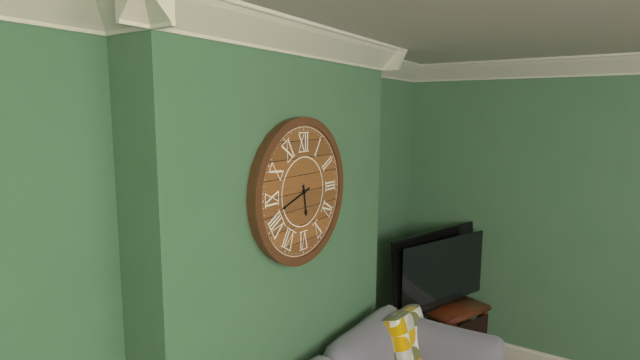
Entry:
5.42
